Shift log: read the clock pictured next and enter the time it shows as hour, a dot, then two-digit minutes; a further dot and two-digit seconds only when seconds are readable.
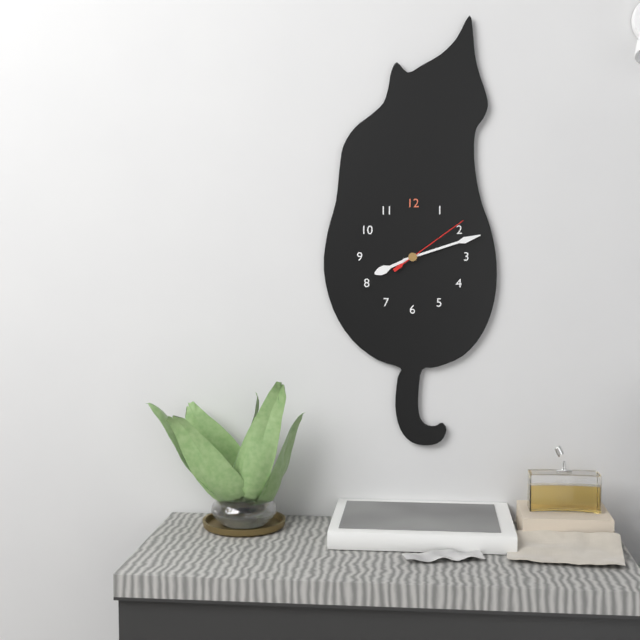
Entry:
8.12.09
